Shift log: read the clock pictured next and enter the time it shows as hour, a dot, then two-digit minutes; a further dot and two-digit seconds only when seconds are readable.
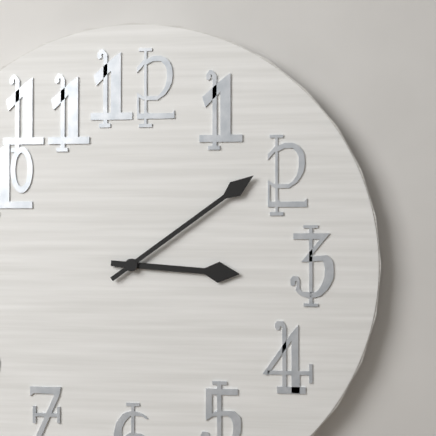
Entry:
3.09
